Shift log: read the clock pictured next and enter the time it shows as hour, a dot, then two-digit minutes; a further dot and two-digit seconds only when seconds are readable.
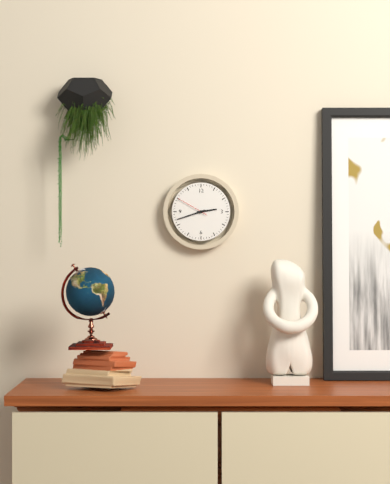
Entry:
2.42
